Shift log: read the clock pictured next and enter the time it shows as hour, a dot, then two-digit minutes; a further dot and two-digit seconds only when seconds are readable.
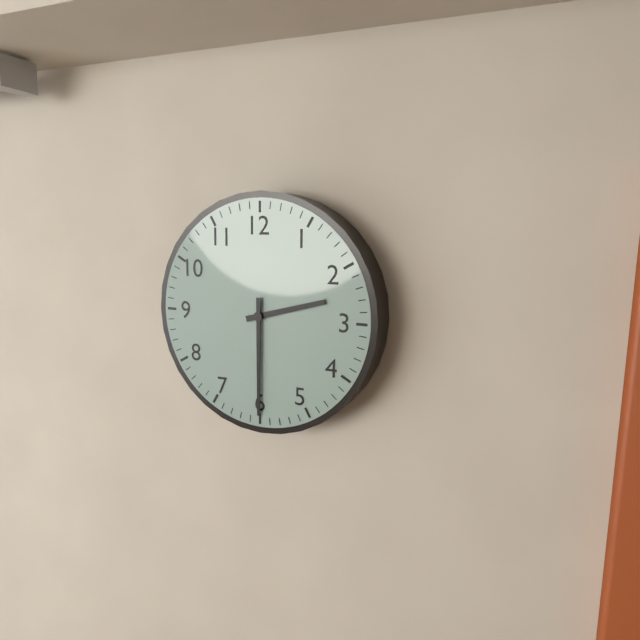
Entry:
2.30
